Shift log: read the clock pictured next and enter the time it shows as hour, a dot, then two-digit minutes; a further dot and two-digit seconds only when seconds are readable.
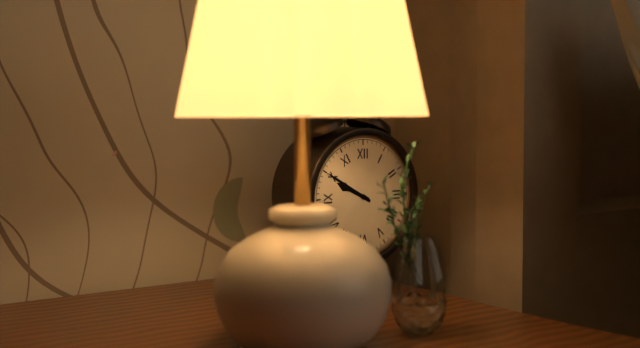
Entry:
9.50
